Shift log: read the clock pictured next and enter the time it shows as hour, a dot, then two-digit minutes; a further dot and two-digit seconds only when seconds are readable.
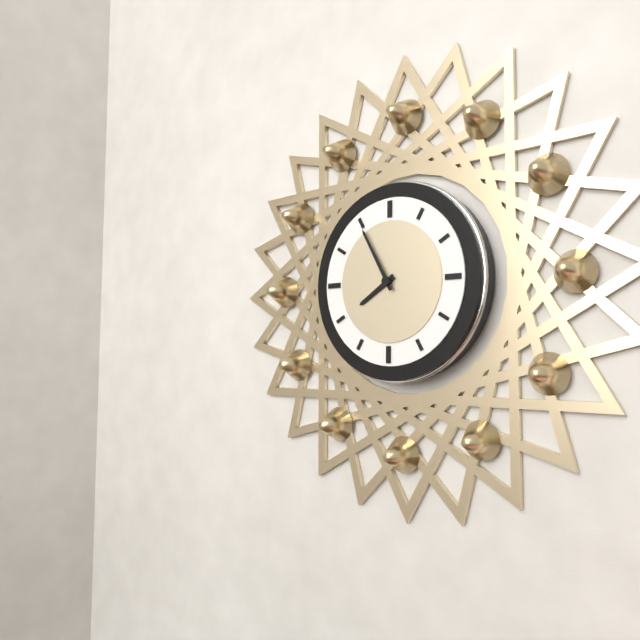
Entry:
7.55
